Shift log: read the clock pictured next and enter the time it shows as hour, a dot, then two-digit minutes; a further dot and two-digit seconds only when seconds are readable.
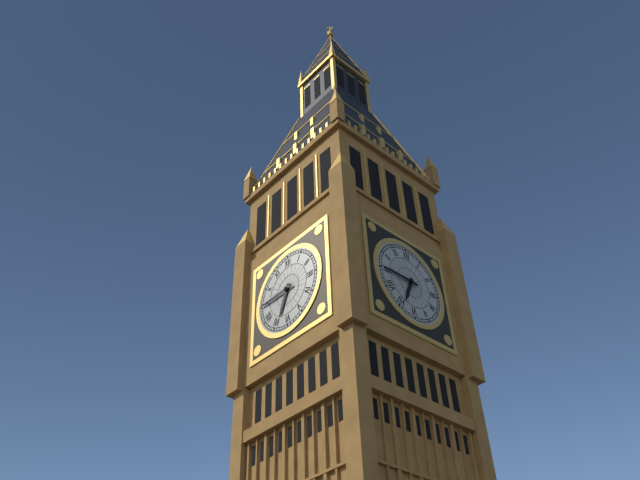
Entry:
6.45
